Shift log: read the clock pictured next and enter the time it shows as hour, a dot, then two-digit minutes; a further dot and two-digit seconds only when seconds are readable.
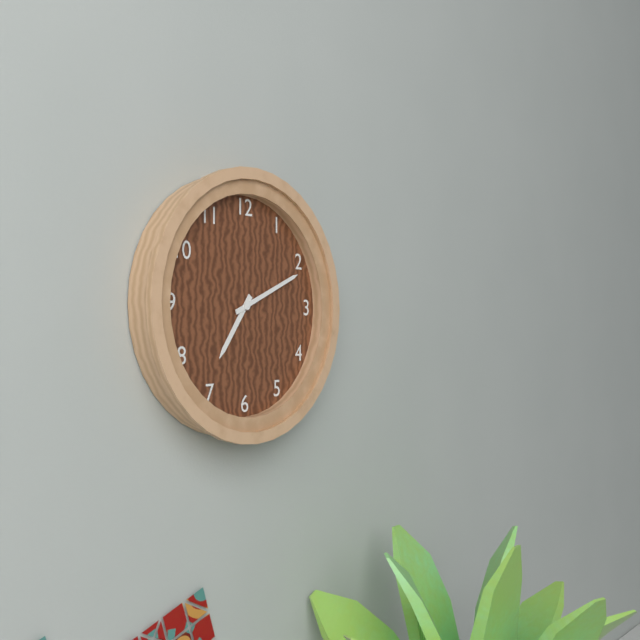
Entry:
7.11
